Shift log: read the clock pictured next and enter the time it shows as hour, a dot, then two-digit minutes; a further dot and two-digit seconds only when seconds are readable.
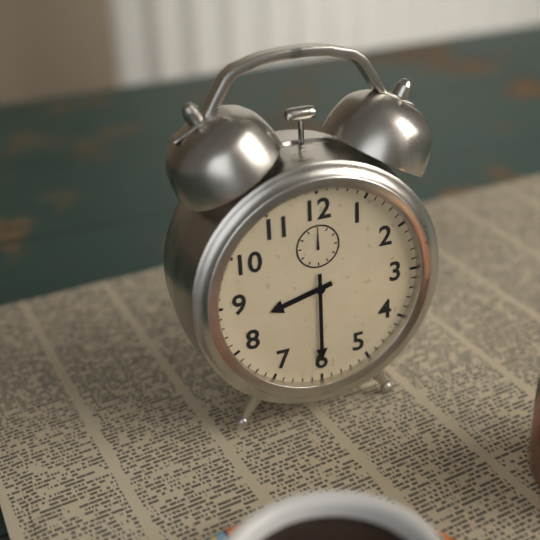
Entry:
8.30
